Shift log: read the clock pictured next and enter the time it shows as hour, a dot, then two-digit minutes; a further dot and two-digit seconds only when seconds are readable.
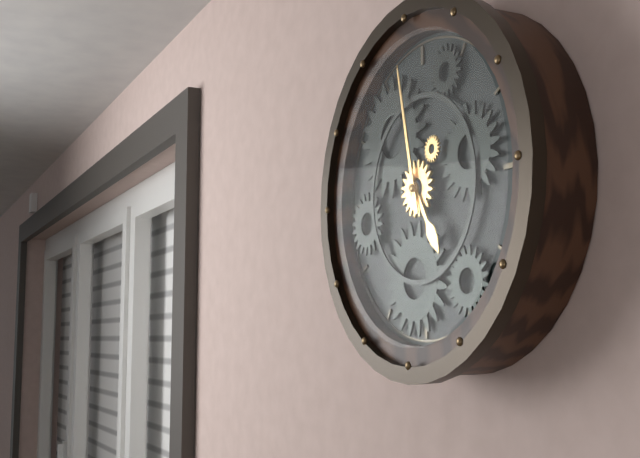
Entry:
4.58
